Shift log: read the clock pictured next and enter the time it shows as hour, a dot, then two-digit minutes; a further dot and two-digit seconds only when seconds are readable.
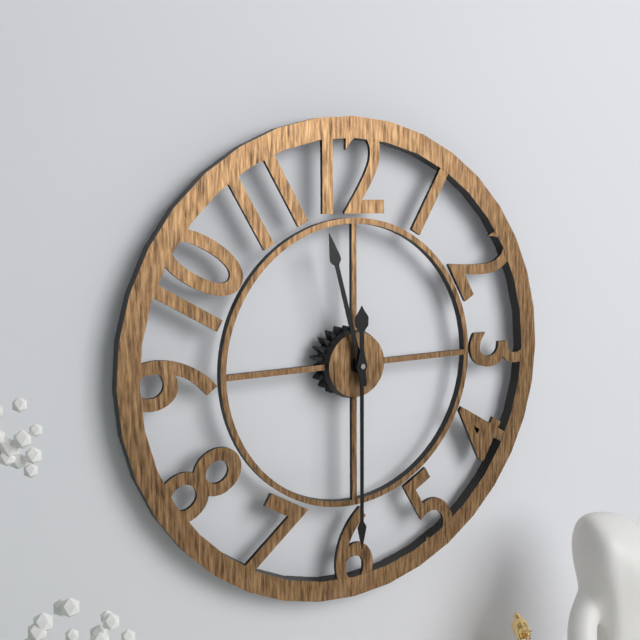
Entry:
11.30
